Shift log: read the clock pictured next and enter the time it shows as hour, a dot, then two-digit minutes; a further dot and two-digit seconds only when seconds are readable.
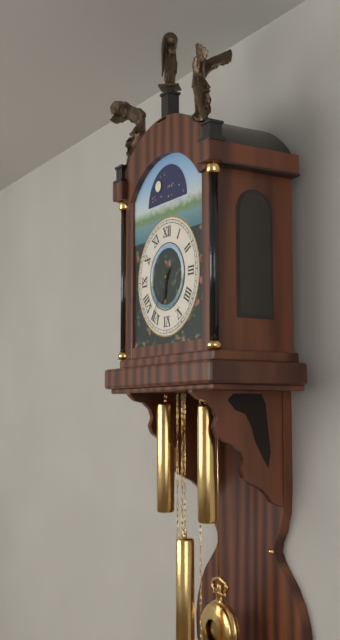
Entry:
6.36
